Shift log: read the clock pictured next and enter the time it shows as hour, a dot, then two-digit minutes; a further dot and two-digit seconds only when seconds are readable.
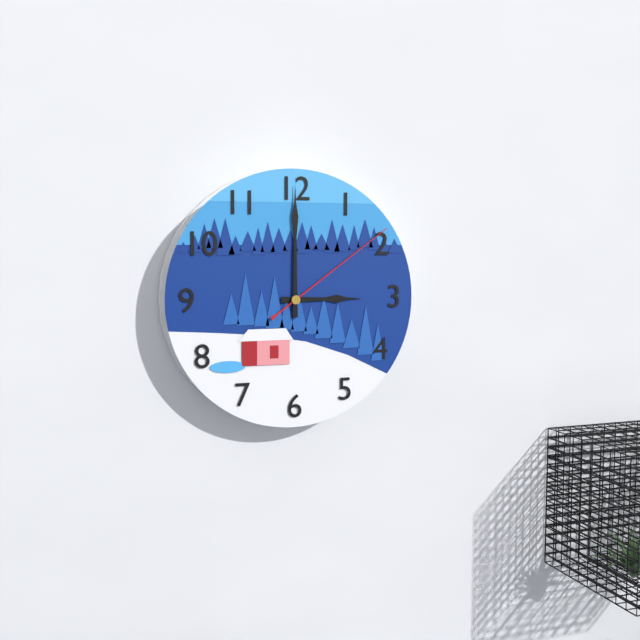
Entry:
3.00.09
